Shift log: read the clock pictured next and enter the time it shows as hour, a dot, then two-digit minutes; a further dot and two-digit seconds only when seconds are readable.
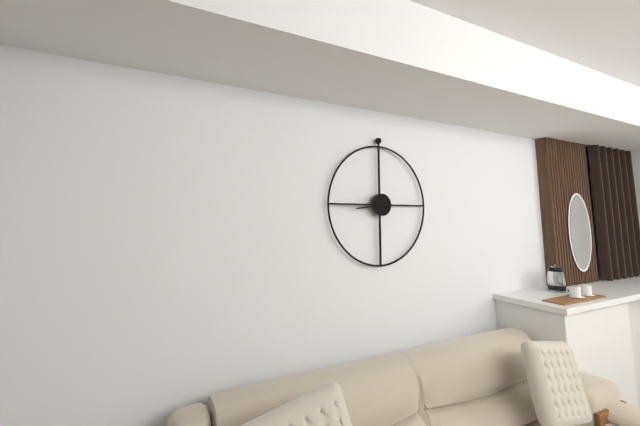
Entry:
8.45
